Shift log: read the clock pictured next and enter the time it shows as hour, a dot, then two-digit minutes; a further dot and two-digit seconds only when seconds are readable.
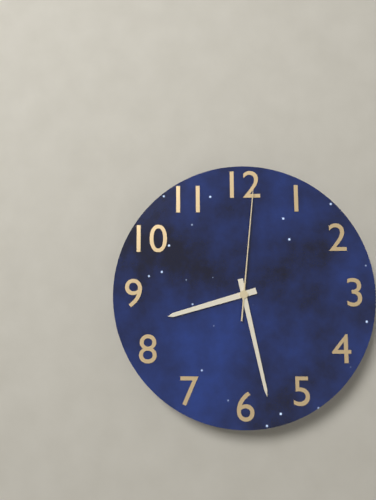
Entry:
8.28.01
